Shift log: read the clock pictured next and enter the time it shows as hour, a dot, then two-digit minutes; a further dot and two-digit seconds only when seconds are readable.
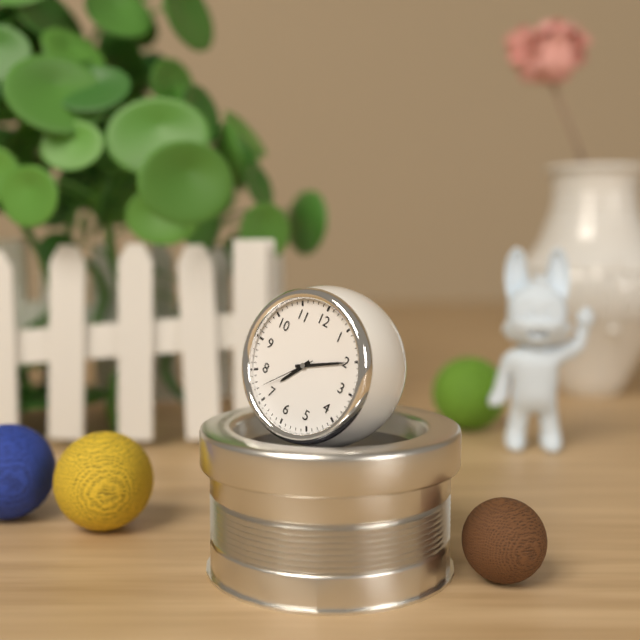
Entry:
7.10.37
